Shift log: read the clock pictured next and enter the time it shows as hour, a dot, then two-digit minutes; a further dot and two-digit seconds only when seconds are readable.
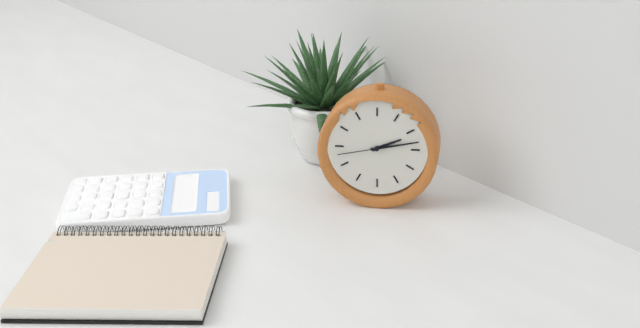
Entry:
2.13.43
